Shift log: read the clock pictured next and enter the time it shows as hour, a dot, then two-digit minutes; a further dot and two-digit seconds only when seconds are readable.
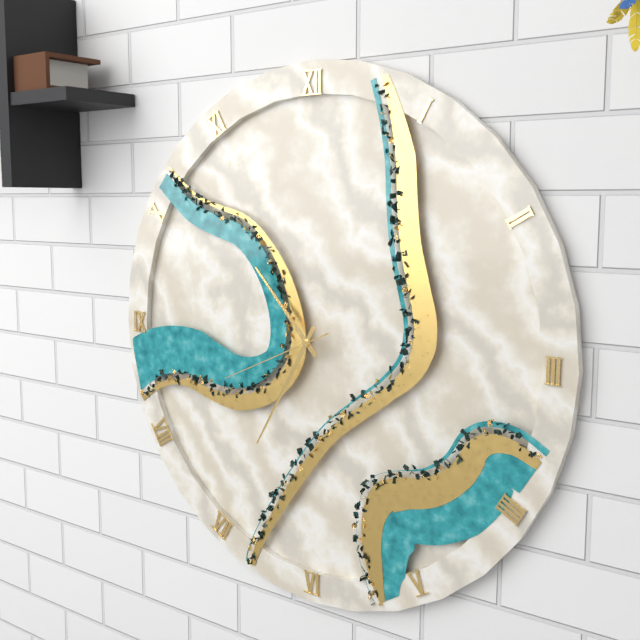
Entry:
10.35.41
